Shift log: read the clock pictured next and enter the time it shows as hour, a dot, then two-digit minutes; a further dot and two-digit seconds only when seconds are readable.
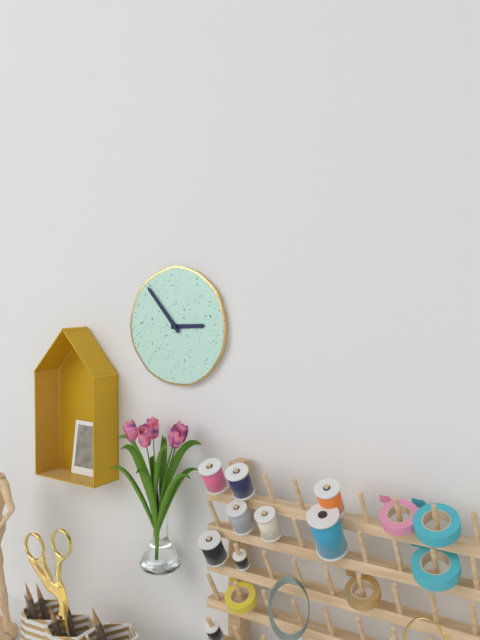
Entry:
2.53
